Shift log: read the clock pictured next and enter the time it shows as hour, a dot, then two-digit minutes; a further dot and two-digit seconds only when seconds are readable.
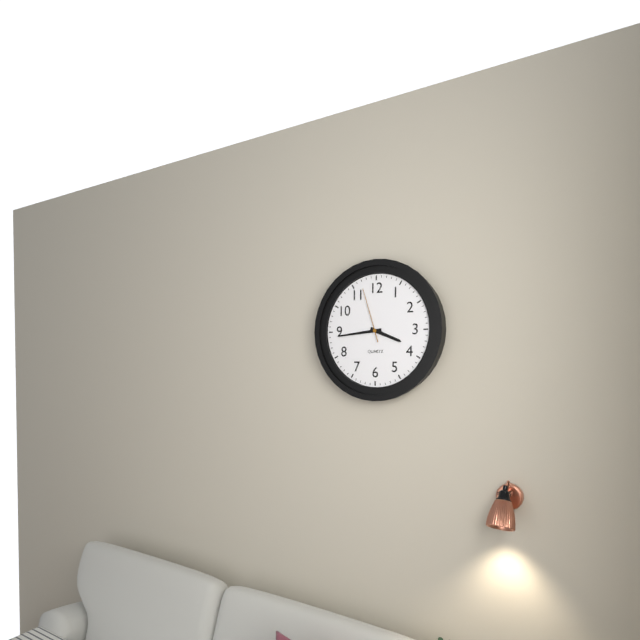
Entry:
3.44.57
